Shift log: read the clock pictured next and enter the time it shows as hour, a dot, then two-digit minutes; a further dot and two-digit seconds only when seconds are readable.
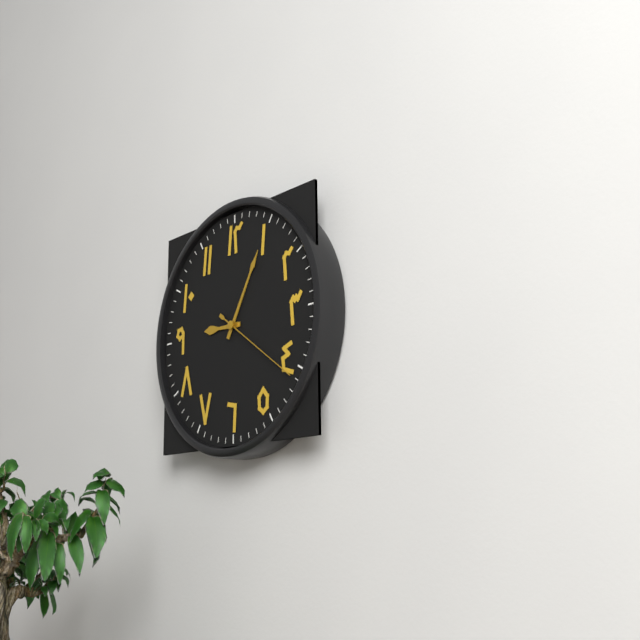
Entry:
9.05.21
